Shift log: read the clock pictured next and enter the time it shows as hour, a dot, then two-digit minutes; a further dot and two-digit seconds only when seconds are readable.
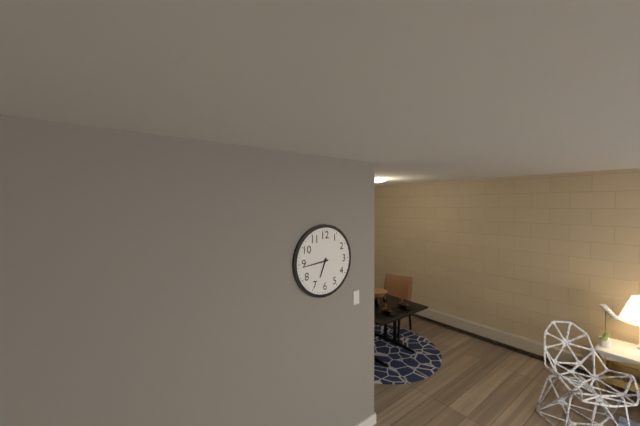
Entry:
6.44
